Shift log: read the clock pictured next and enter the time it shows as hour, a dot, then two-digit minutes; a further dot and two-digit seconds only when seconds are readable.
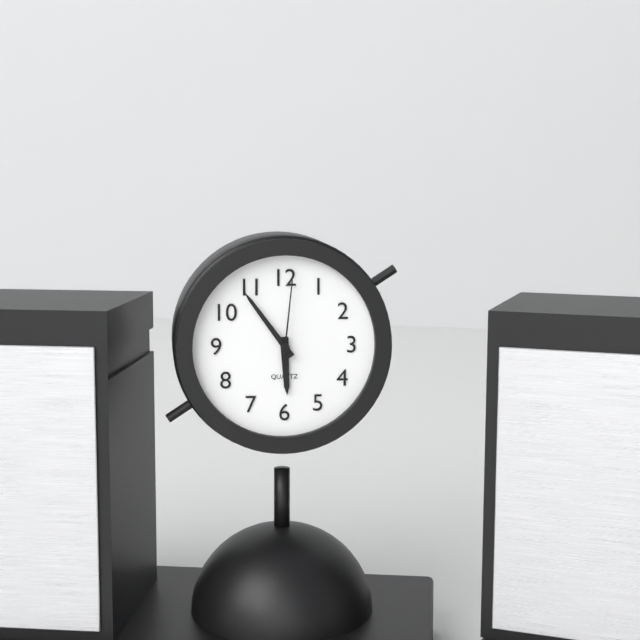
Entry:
5.54.01
